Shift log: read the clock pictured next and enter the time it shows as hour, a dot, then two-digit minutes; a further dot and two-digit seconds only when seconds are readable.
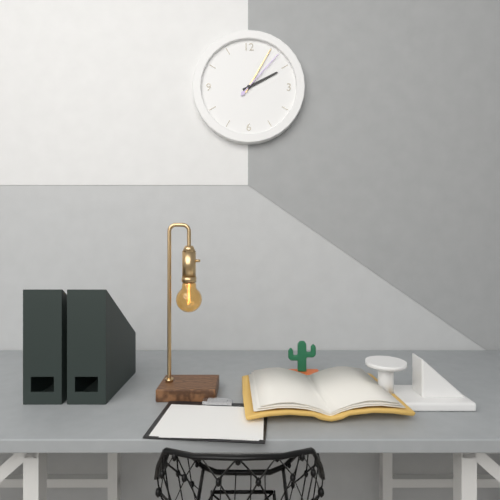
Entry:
2.05.07
